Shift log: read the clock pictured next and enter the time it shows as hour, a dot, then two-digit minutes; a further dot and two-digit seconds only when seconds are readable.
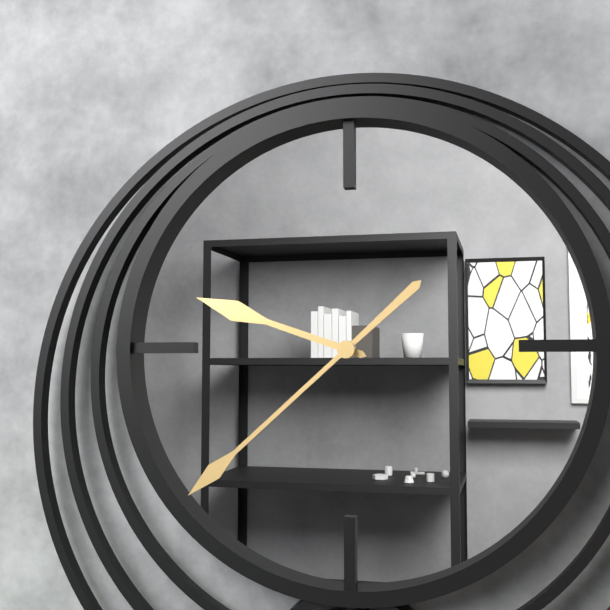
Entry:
9.38
